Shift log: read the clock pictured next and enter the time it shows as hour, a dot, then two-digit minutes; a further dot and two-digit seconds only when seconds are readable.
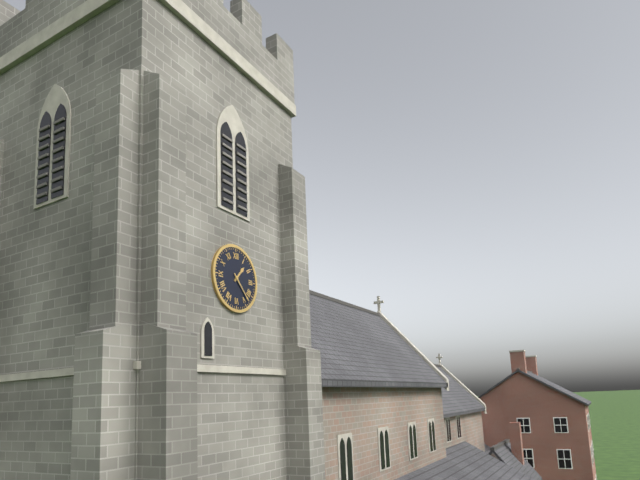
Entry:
1.23
